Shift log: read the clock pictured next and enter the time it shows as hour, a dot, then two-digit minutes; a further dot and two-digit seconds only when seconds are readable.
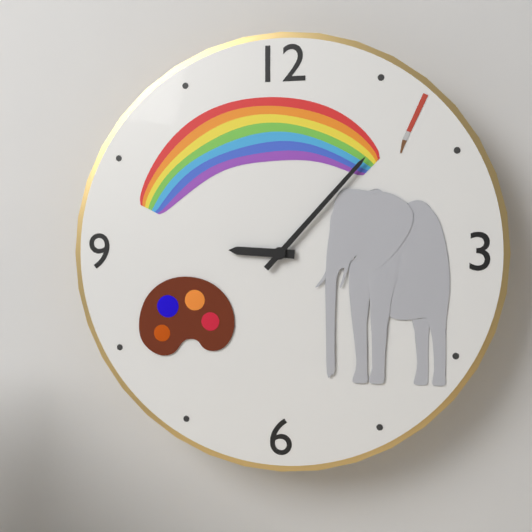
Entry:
9.07
